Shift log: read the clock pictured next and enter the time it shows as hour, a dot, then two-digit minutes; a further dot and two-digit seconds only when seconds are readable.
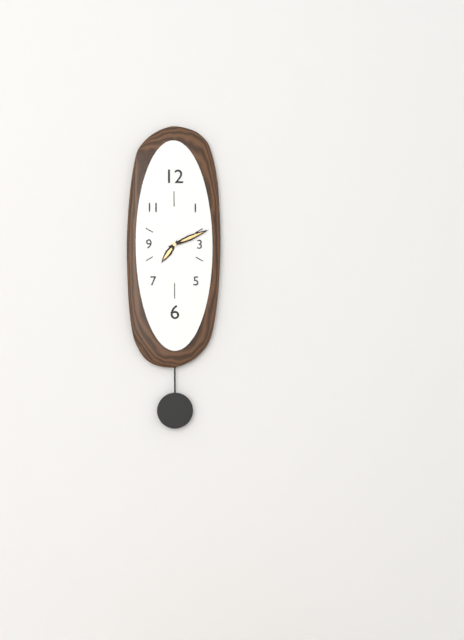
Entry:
7.11
